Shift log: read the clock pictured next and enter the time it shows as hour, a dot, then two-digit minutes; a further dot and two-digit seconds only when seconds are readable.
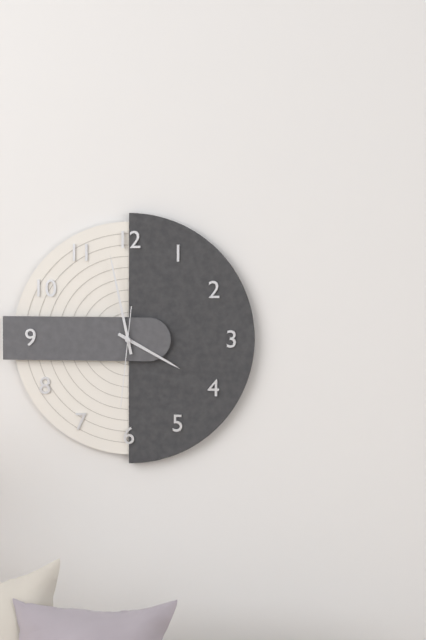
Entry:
3.58.31
